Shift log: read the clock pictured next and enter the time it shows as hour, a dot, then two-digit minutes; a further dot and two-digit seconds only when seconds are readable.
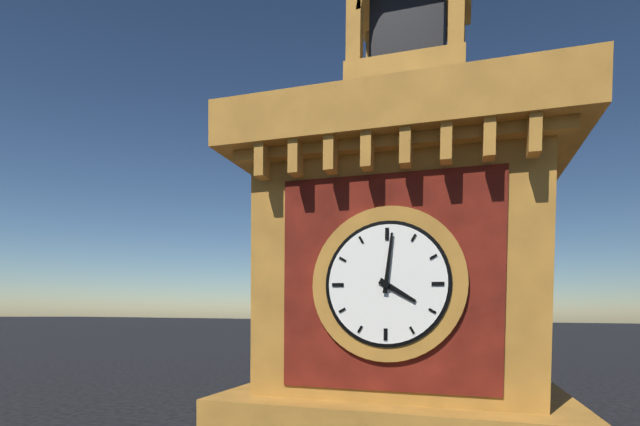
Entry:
4.01
